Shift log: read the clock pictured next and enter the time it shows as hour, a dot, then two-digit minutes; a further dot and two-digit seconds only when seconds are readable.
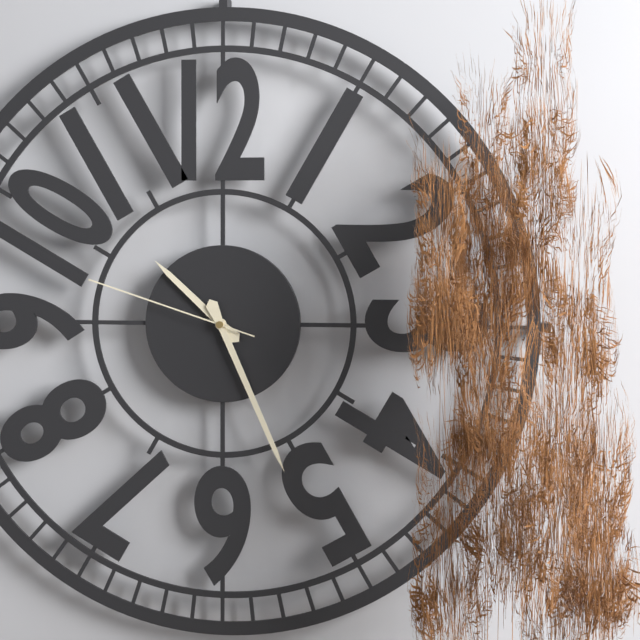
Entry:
10.26.48
